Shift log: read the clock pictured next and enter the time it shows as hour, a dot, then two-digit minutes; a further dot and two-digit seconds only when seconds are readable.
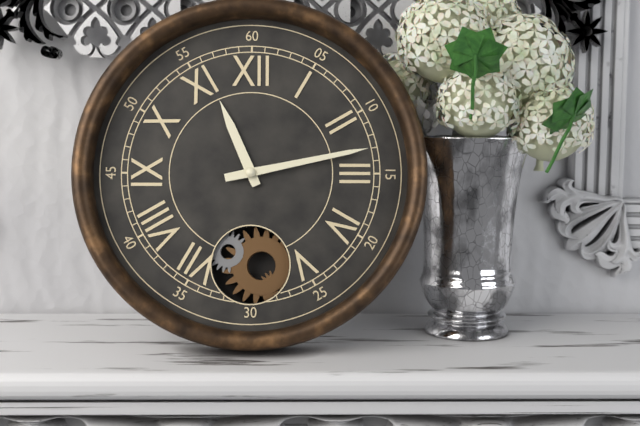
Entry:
11.13
